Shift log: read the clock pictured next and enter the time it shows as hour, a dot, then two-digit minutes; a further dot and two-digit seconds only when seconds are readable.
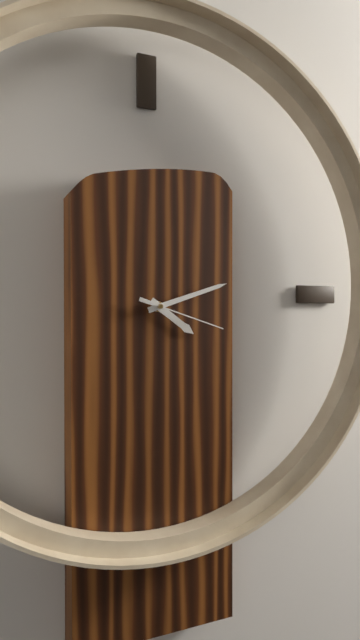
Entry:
4.12.18
